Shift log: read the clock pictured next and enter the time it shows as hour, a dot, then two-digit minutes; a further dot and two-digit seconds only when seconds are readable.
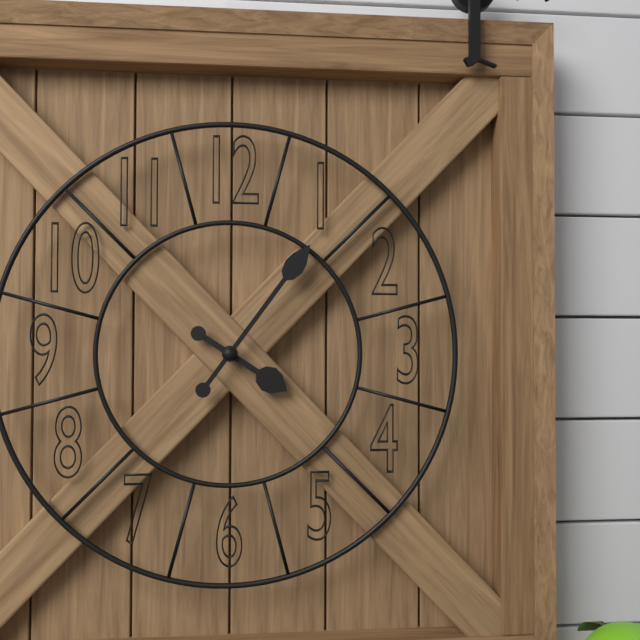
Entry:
4.06
